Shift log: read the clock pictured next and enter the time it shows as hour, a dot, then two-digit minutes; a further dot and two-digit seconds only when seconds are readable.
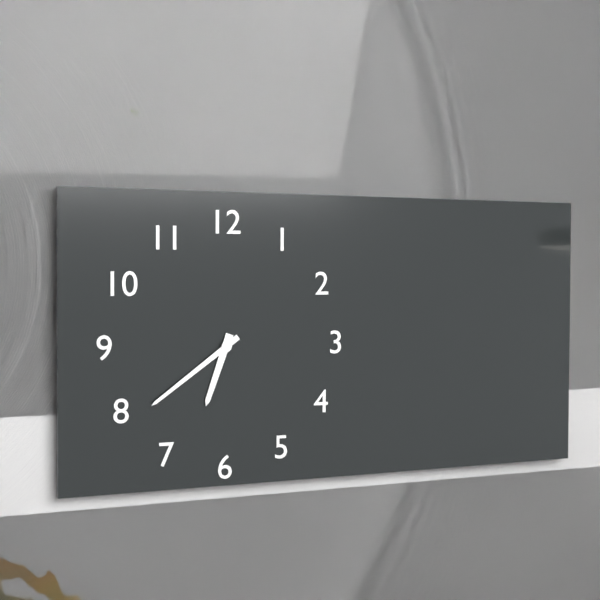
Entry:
6.39
